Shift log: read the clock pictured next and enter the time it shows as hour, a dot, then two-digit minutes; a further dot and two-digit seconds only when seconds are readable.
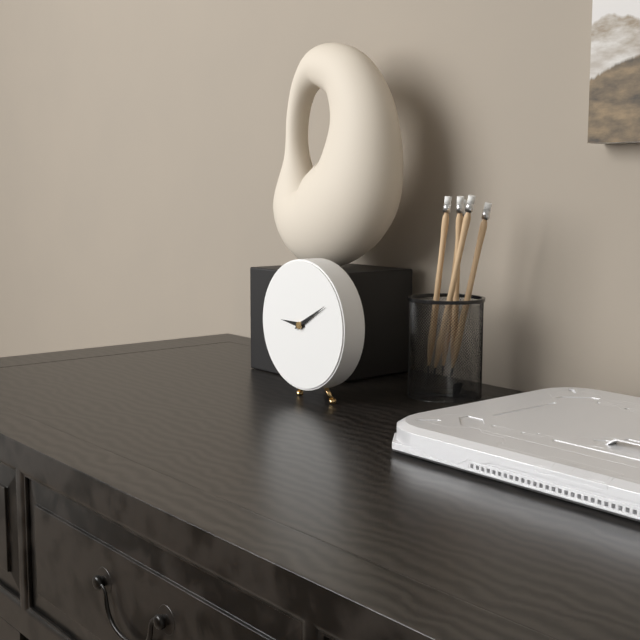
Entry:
9.10
